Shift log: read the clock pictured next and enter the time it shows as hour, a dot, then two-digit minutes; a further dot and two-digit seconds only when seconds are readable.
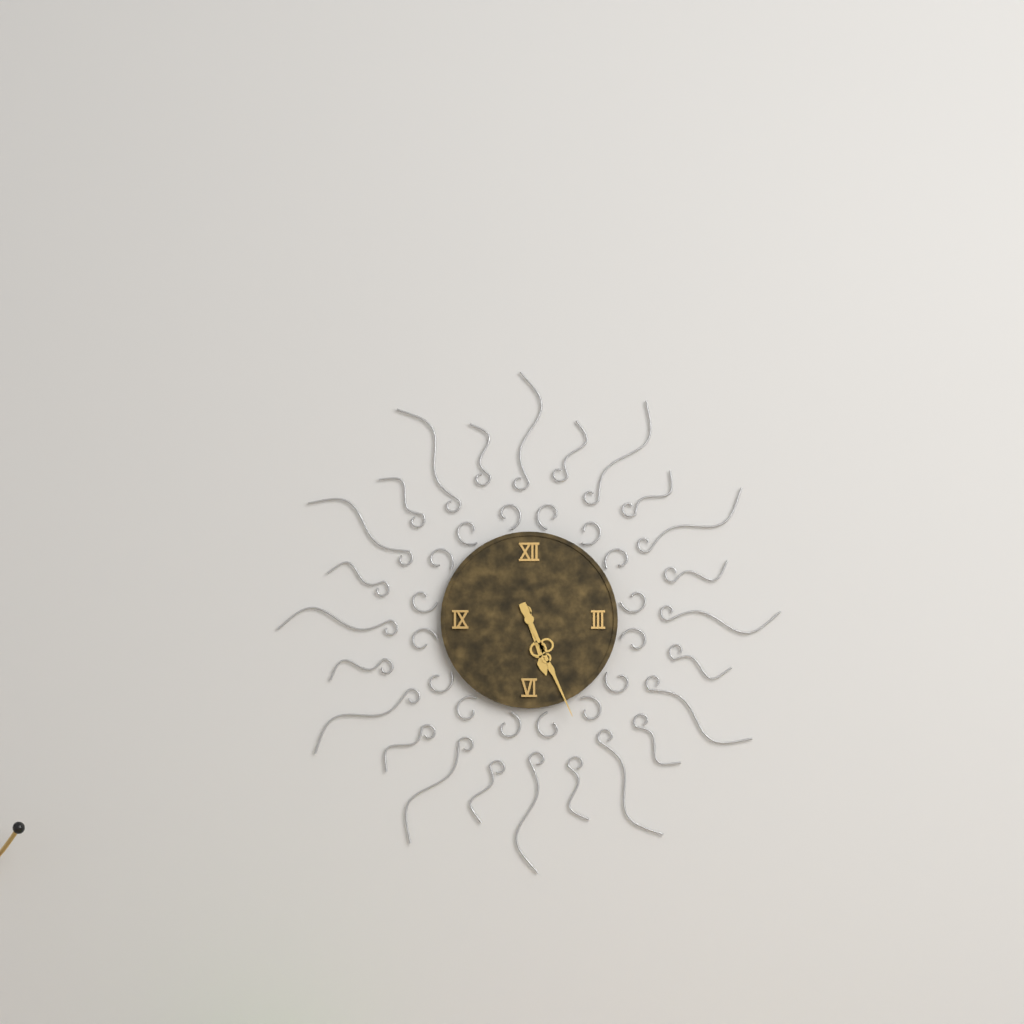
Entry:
5.26
